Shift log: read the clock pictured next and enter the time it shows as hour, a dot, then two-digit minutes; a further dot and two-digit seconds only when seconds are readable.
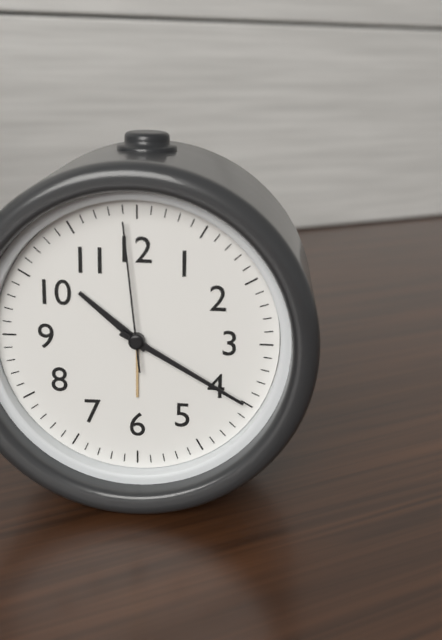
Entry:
10.20.59
